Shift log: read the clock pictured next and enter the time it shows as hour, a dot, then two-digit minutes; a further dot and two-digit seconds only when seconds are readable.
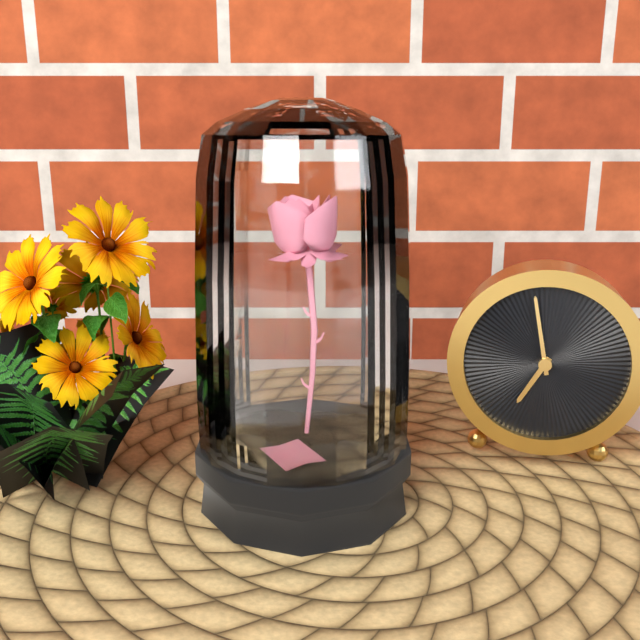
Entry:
6.58
